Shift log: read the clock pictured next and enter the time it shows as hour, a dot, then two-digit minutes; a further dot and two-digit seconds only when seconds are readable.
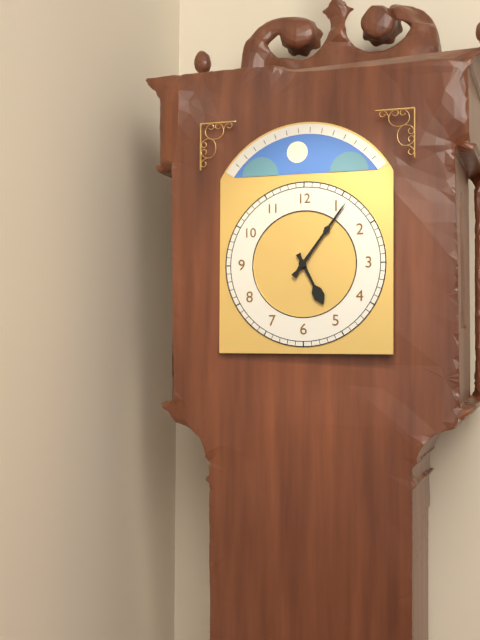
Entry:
5.06
